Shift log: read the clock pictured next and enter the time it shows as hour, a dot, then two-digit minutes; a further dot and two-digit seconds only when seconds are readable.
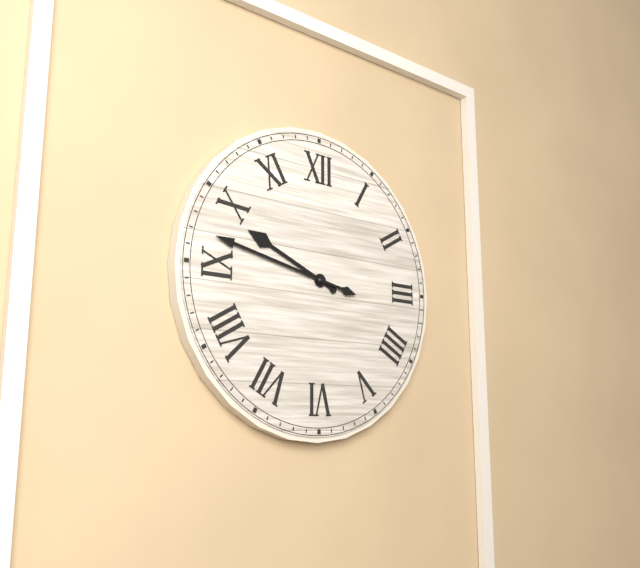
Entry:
9.47
